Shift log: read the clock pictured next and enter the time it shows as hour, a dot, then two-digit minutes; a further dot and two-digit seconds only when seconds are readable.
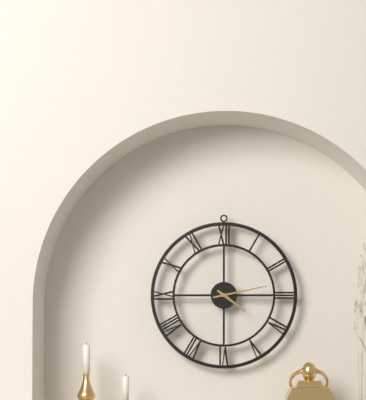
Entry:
4.13
